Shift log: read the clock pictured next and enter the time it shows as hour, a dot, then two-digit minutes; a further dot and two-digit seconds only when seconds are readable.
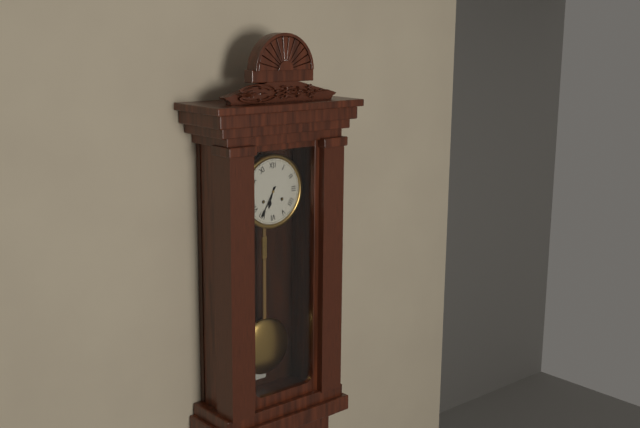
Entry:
6.35
